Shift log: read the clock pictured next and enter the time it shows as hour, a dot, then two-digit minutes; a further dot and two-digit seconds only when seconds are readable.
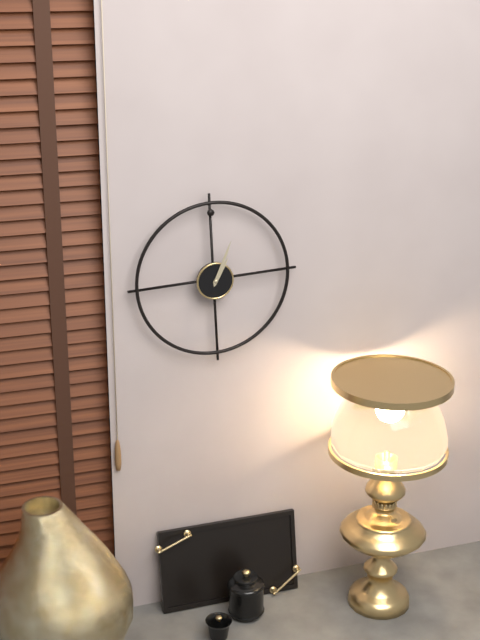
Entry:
1.04
